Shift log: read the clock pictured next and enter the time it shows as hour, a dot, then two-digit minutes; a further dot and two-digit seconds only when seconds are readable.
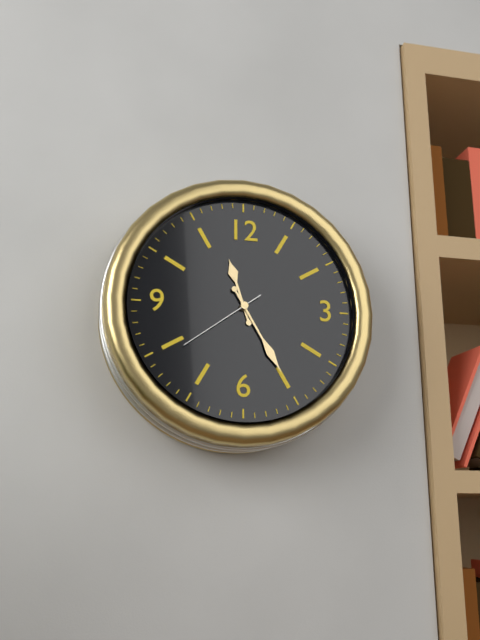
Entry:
11.25.39
